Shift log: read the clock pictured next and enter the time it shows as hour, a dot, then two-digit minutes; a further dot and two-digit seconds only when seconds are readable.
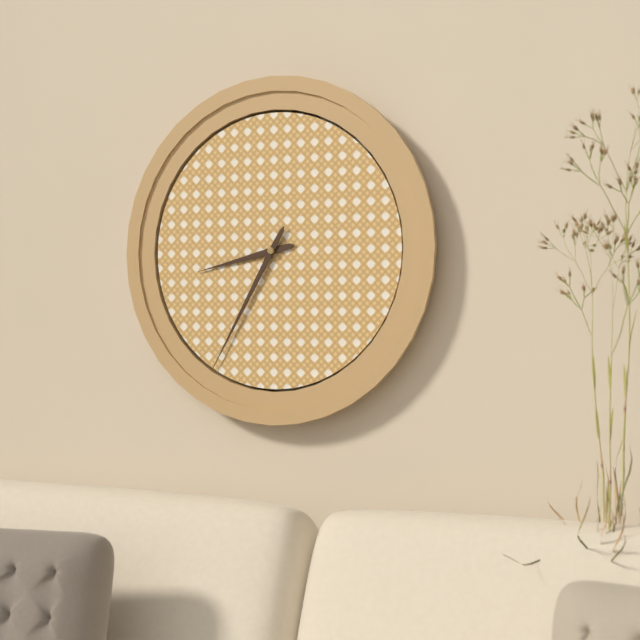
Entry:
8.35
